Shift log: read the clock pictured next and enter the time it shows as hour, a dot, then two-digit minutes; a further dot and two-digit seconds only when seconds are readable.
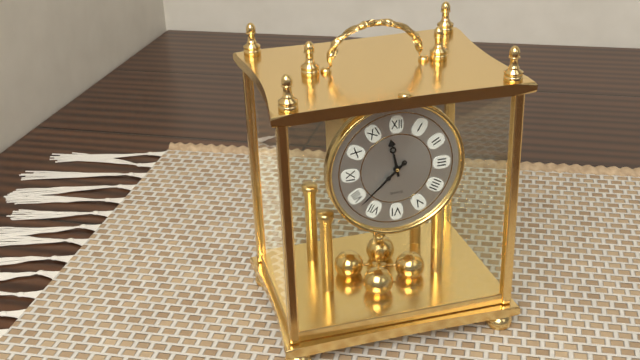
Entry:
11.38
